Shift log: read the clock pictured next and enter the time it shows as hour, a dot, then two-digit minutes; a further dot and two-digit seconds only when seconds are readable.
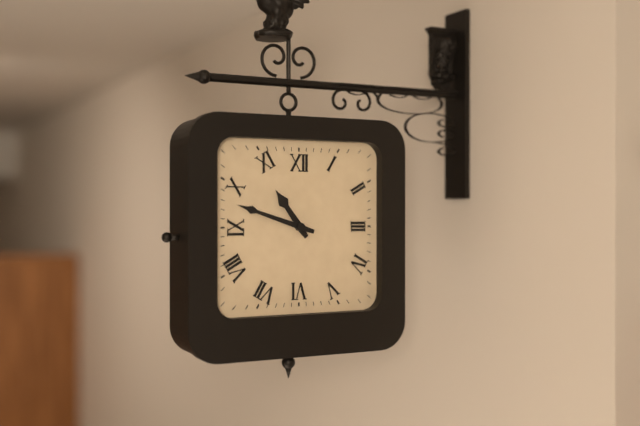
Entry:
10.48
